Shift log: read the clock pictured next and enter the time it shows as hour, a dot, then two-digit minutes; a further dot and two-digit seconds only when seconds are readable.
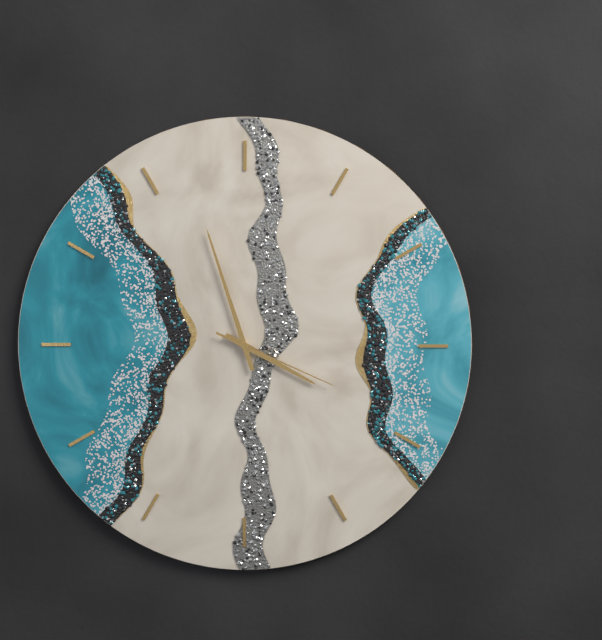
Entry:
3.57.19
